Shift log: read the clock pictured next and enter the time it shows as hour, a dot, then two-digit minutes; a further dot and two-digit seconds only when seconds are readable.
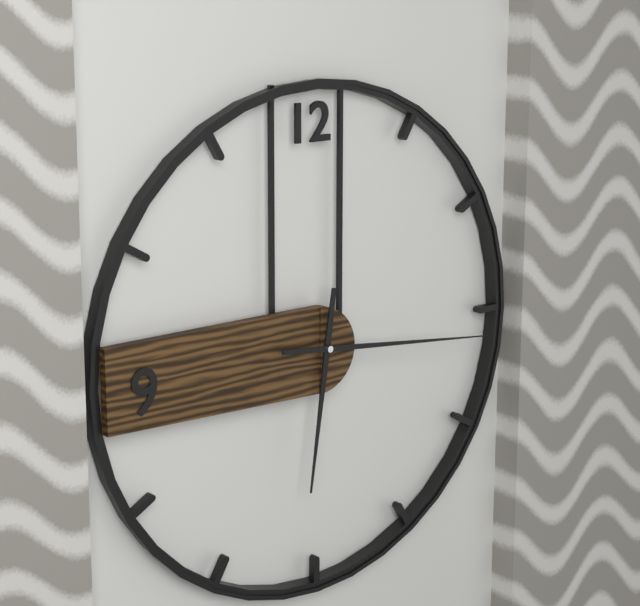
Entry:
6.16
